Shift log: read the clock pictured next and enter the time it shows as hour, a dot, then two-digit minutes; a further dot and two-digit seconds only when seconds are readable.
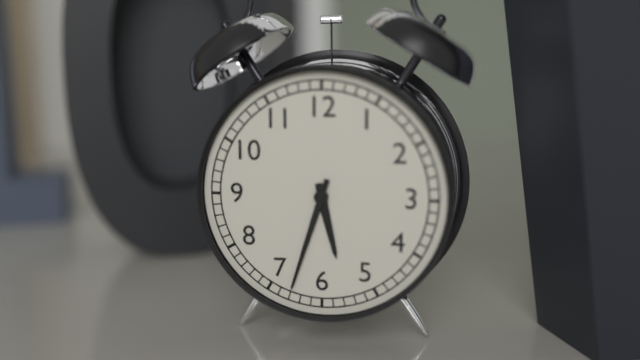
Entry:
5.33
